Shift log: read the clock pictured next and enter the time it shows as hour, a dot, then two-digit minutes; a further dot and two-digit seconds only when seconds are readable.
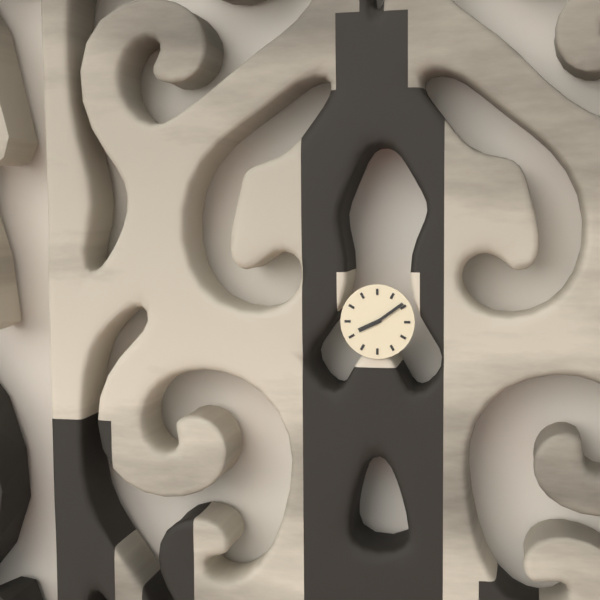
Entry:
8.09
